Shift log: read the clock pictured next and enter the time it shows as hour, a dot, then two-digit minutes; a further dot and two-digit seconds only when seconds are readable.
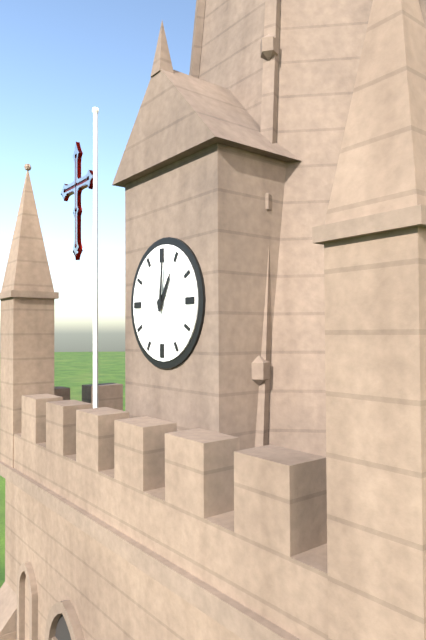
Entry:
1.01
